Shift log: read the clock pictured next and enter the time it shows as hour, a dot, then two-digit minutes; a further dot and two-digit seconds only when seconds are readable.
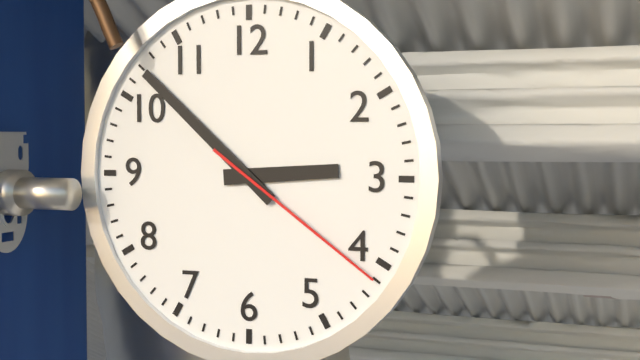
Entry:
2.52.21
